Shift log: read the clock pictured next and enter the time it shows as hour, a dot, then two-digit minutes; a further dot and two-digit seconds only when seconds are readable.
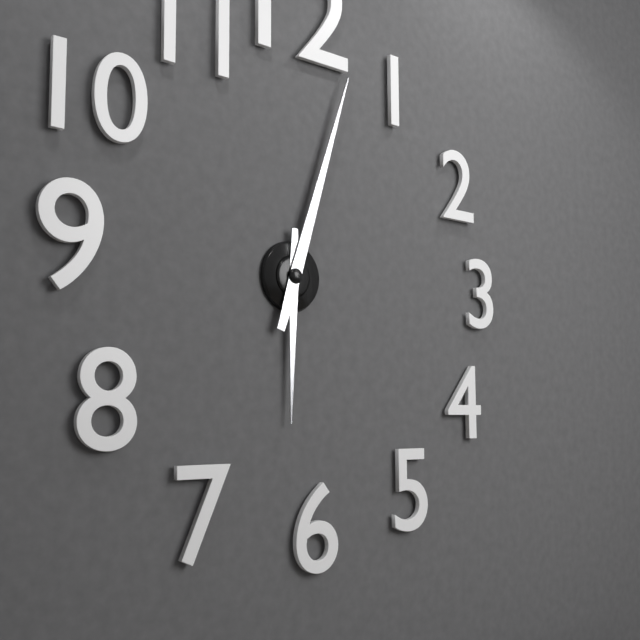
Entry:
6.03
